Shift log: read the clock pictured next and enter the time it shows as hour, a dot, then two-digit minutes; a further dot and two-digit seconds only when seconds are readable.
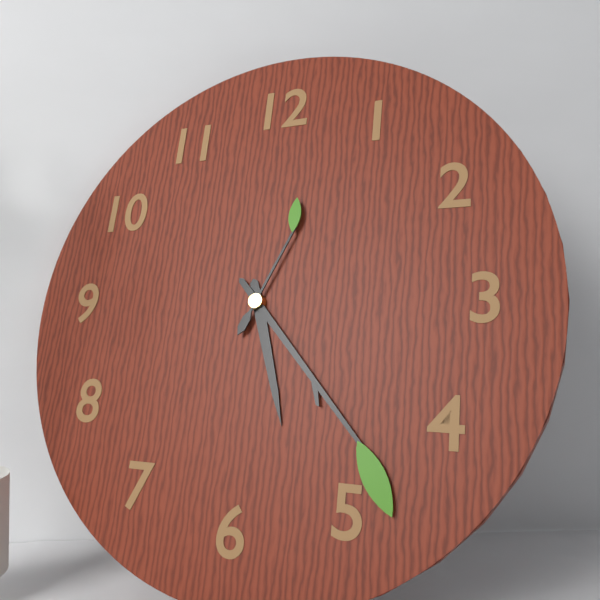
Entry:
5.23.04
